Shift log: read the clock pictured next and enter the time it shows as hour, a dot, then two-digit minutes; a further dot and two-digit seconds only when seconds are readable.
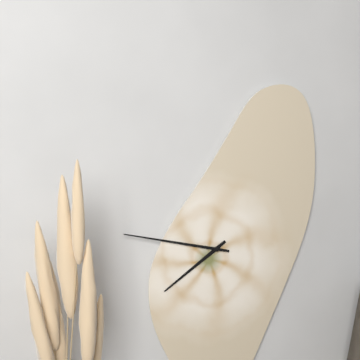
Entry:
7.47
